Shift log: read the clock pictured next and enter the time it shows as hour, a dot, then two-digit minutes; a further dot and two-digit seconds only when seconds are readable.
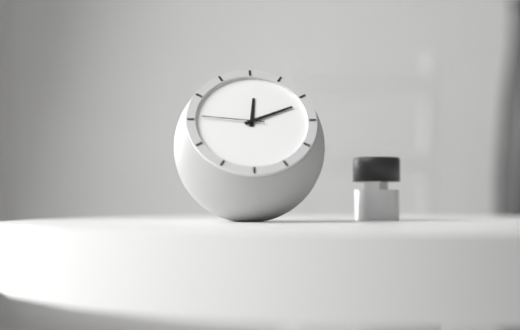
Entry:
12.11.46
